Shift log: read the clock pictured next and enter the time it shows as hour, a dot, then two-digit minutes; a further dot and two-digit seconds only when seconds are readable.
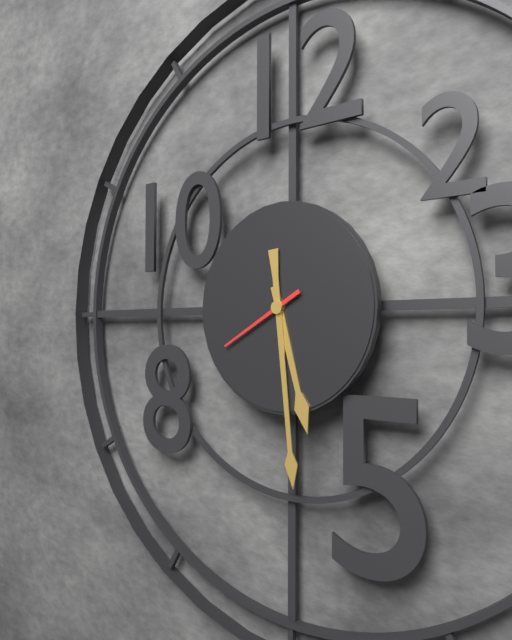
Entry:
5.29.40
